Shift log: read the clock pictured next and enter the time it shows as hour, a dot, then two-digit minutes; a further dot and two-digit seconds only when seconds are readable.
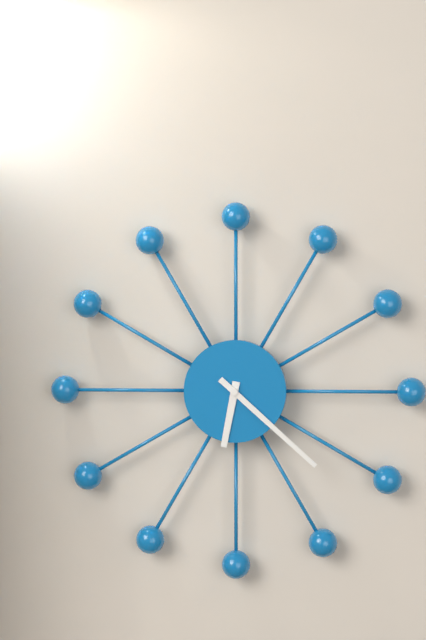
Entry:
6.22
